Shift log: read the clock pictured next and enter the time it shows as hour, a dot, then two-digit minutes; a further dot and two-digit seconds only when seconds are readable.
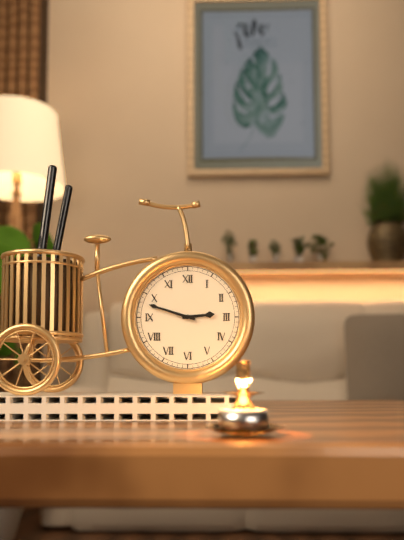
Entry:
2.48
